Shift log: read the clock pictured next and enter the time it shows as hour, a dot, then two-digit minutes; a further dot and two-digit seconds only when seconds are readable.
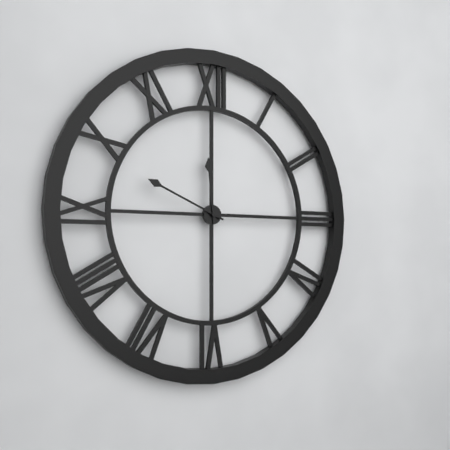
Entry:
11.49
